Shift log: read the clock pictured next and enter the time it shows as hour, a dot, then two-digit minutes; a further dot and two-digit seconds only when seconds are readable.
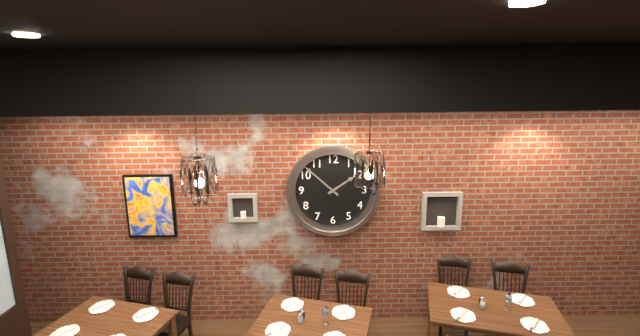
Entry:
1.52
